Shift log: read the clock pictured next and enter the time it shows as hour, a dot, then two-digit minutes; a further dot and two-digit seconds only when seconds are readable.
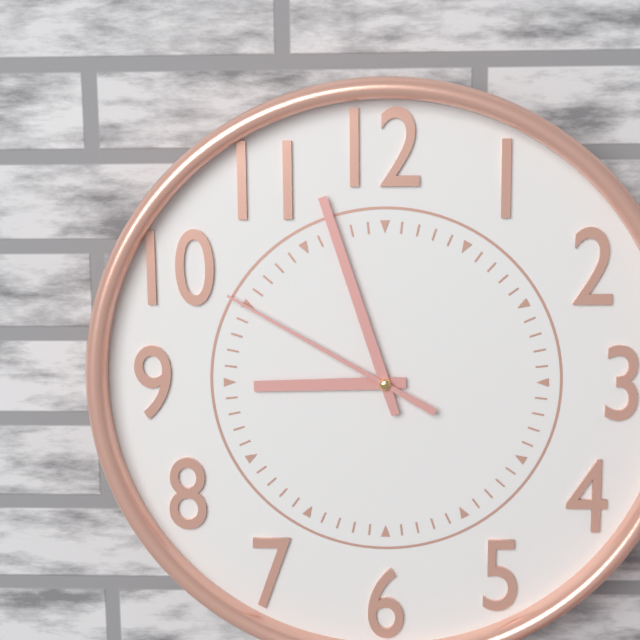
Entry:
8.57.50
